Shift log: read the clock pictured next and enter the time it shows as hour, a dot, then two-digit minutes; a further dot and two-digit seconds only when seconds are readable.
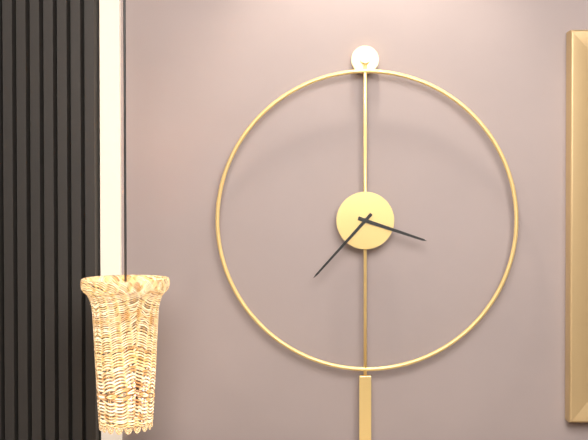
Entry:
3.37
